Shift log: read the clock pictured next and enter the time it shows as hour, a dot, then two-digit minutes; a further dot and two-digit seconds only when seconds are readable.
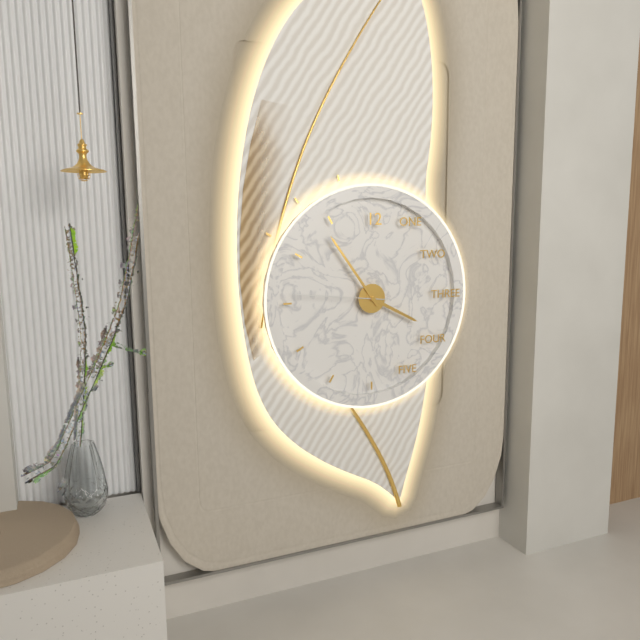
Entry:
3.54.46
